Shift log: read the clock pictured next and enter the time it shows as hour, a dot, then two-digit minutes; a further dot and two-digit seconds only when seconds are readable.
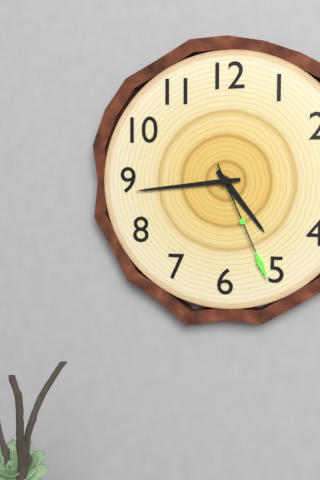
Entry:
4.44.26
